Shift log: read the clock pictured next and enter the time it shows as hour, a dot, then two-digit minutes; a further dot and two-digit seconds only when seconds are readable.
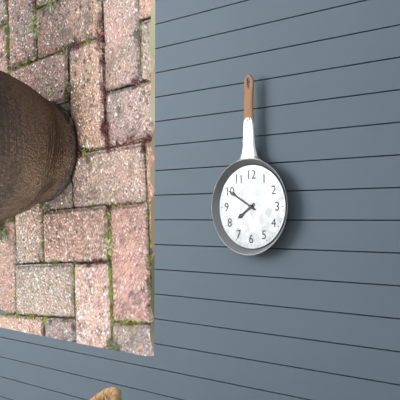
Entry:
7.50
